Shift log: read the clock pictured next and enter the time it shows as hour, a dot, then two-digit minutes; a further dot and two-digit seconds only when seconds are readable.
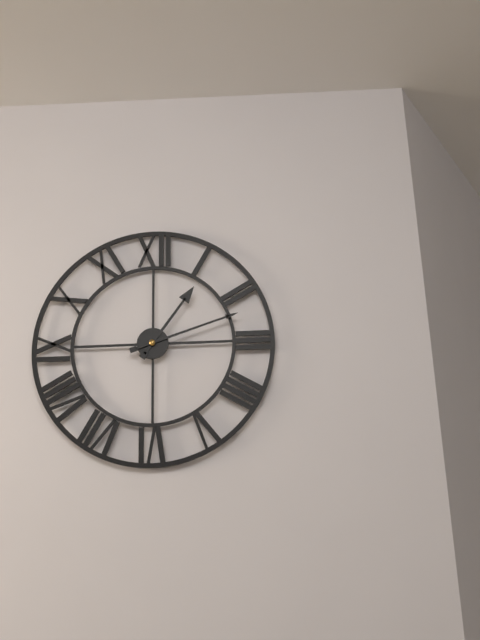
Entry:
1.12
